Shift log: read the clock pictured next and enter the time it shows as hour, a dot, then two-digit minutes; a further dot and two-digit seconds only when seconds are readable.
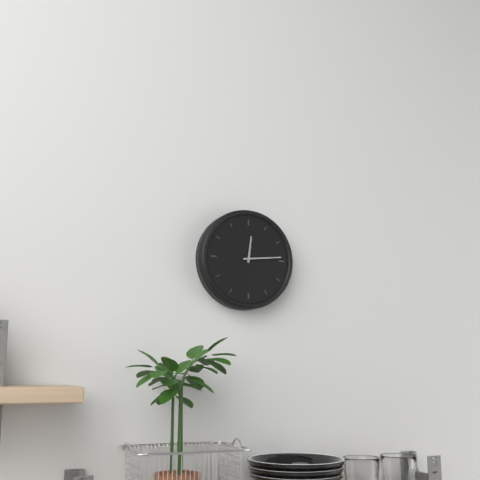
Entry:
12.14
